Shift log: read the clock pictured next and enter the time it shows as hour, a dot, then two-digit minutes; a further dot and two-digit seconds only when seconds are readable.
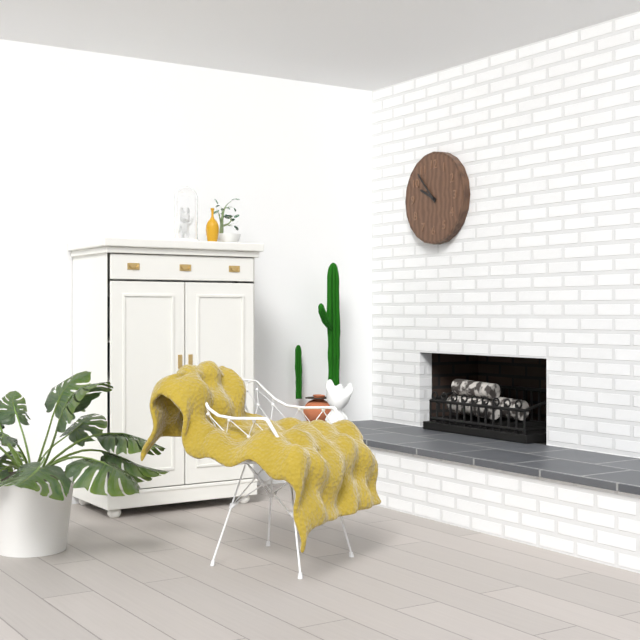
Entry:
9.53
